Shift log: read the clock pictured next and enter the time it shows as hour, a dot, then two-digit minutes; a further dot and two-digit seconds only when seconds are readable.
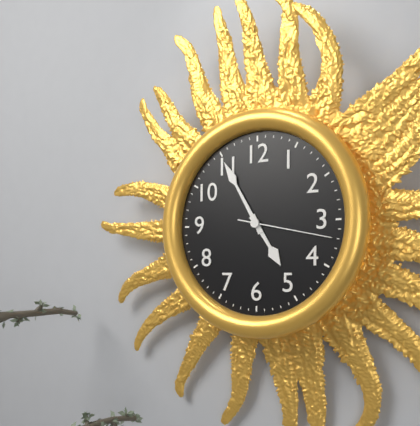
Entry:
4.55.17
